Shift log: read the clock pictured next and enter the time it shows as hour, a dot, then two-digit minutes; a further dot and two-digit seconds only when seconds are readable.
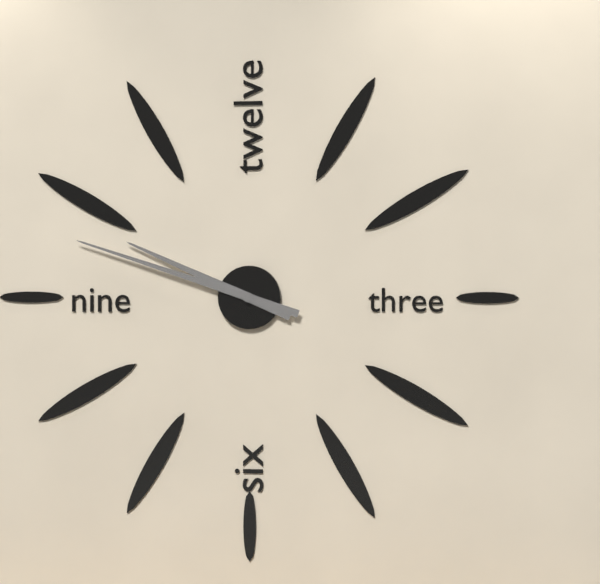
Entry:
9.48
